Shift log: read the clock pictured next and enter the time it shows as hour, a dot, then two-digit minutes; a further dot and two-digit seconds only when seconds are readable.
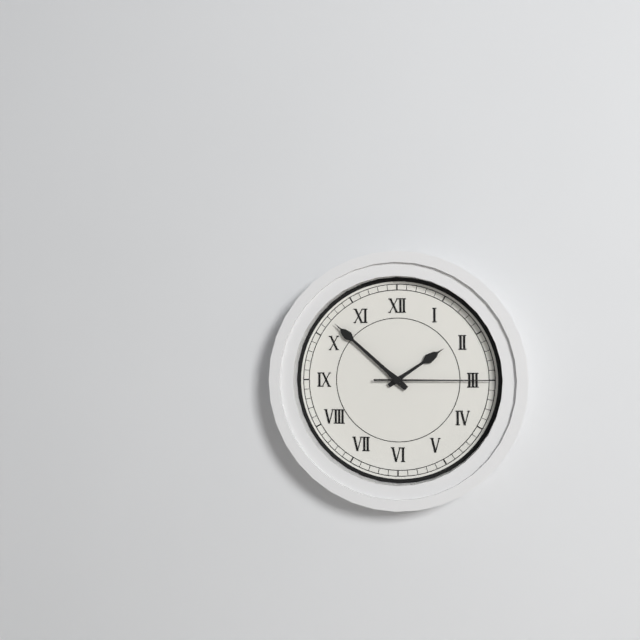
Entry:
1.52.15
